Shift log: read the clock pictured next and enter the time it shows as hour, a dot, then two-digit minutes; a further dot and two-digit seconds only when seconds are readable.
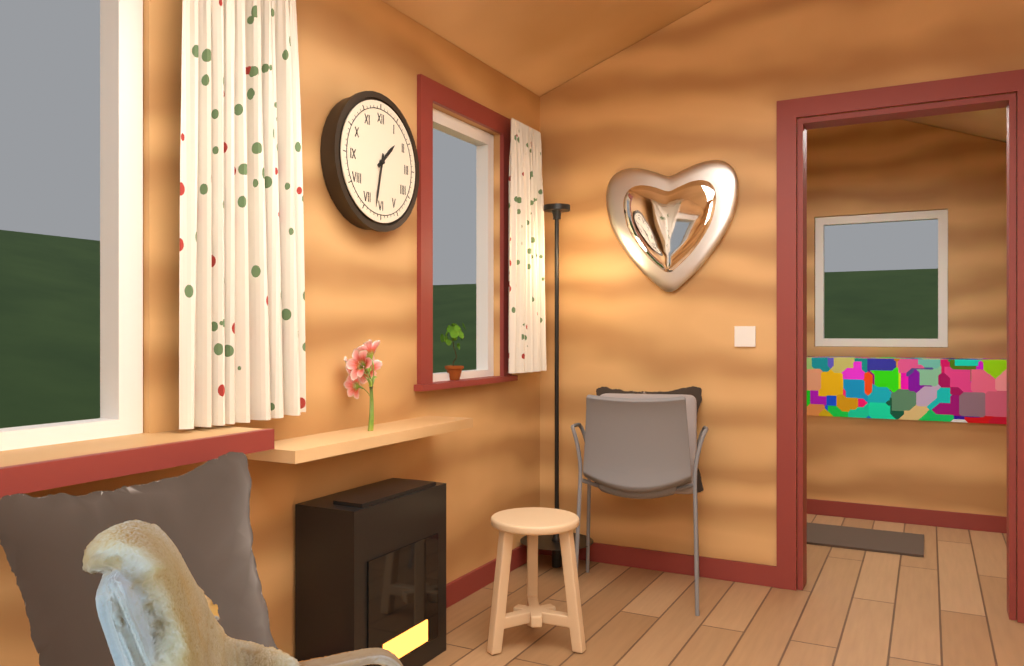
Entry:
1.32
